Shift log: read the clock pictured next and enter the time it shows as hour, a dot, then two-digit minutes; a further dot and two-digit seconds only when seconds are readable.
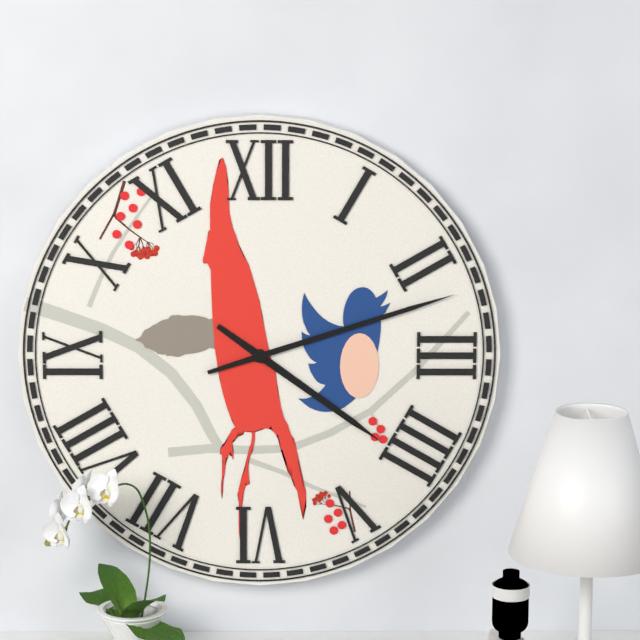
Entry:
4.12
